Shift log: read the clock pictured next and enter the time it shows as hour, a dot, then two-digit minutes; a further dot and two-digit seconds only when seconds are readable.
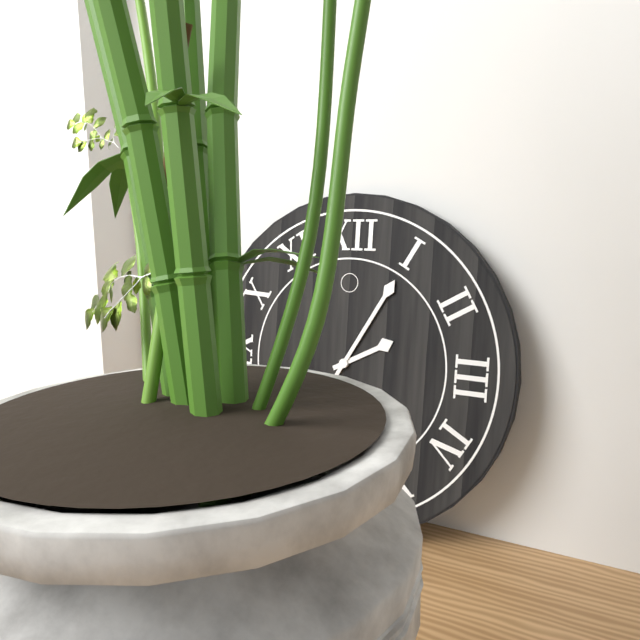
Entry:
2.05
